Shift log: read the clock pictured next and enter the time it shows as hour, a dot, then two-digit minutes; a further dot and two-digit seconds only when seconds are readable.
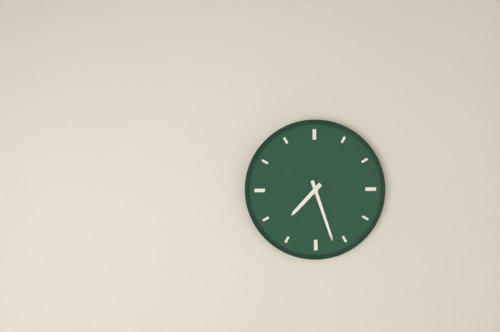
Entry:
7.27
